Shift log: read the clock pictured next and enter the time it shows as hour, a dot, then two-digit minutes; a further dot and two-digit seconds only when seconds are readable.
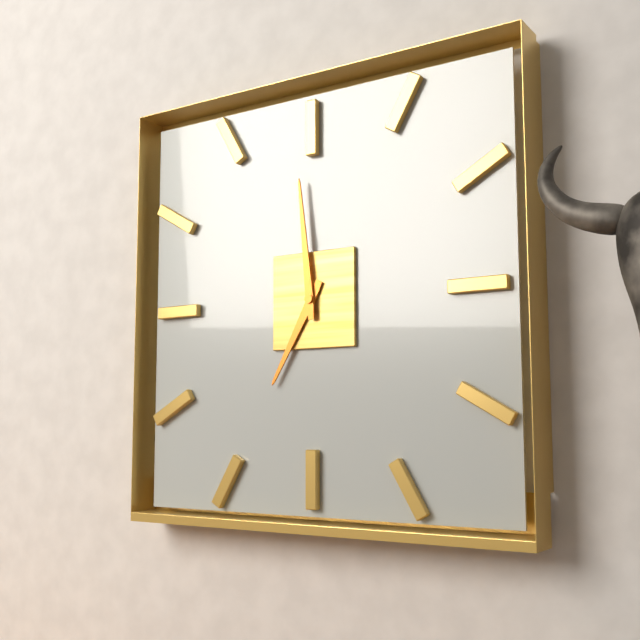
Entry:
6.59
